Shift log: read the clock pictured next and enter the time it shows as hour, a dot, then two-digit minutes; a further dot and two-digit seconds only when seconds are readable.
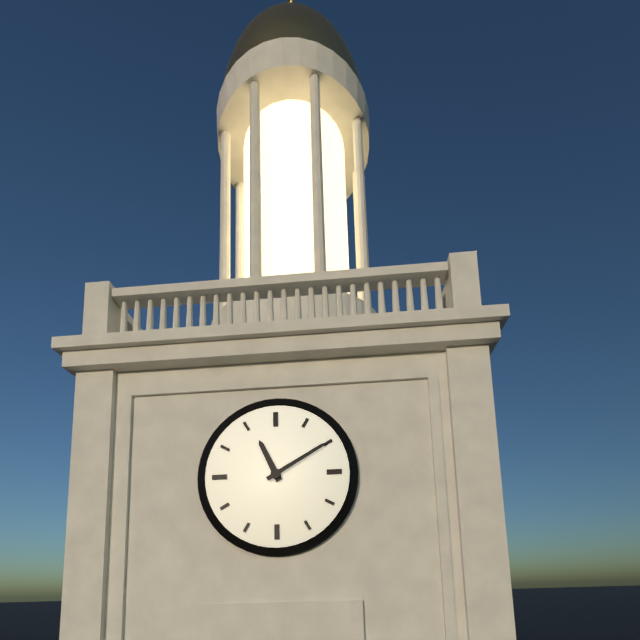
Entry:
11.10
